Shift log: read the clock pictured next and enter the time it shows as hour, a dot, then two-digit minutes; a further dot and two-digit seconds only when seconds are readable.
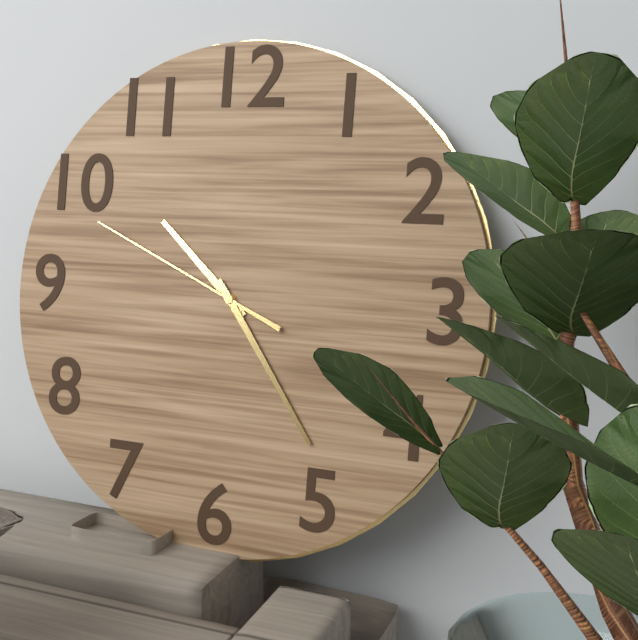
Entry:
10.24.49
